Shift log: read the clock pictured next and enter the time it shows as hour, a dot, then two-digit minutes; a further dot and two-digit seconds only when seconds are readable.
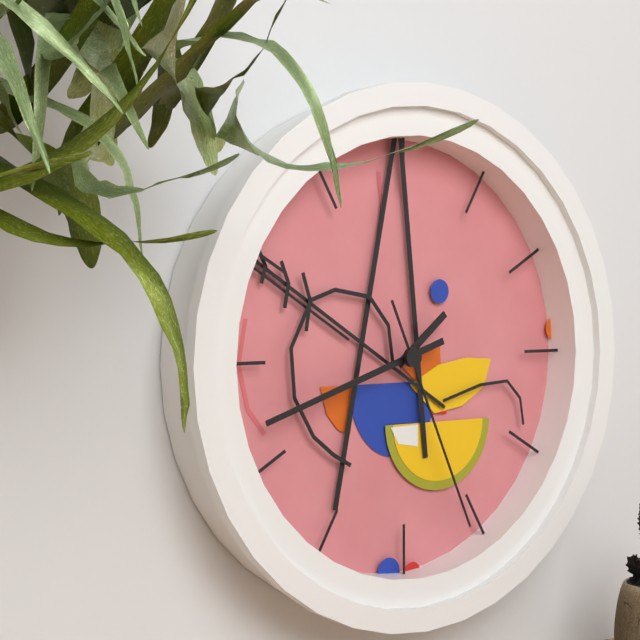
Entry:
1.42.26
